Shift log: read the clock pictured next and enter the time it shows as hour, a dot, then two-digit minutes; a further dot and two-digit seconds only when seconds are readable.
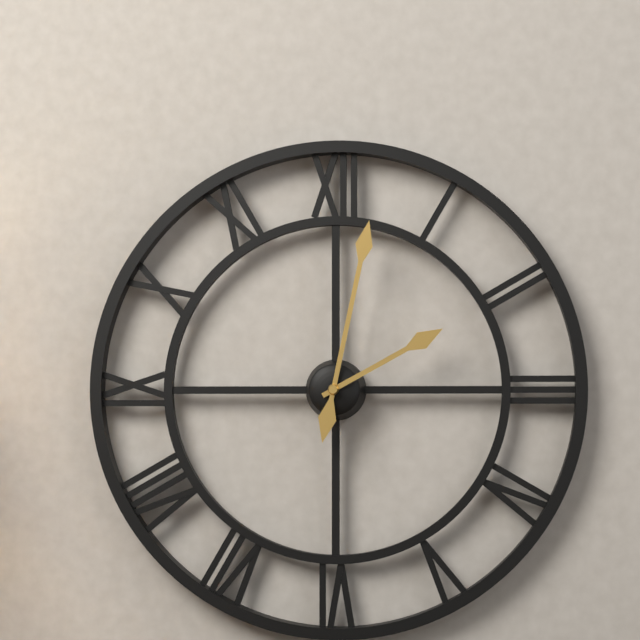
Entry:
2.02
